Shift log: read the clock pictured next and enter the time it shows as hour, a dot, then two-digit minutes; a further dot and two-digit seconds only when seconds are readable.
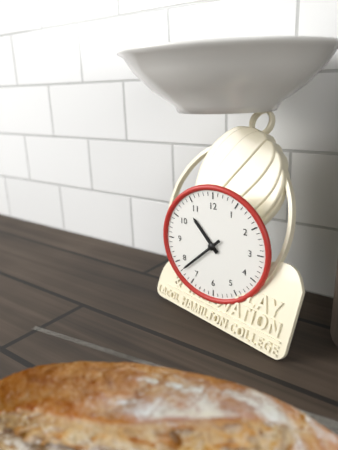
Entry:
10.38
